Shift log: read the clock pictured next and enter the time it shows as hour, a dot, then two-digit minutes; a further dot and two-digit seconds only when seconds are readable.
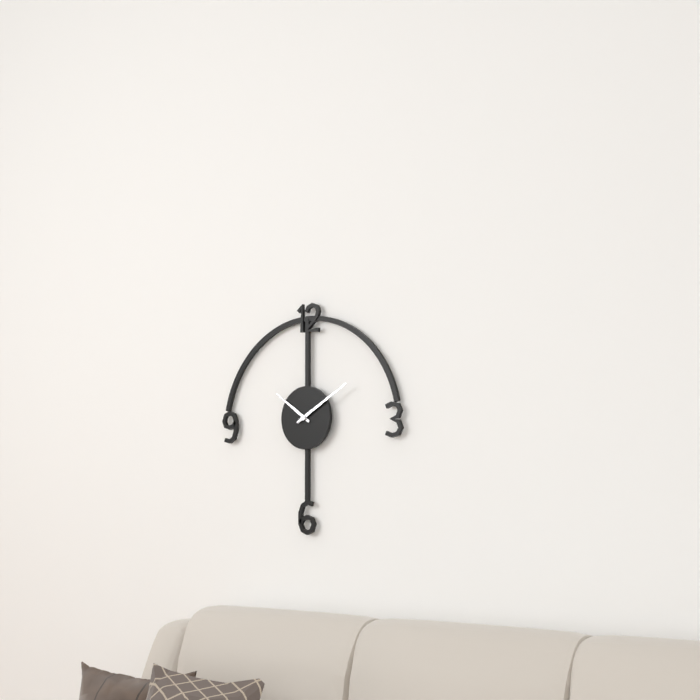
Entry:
10.10
